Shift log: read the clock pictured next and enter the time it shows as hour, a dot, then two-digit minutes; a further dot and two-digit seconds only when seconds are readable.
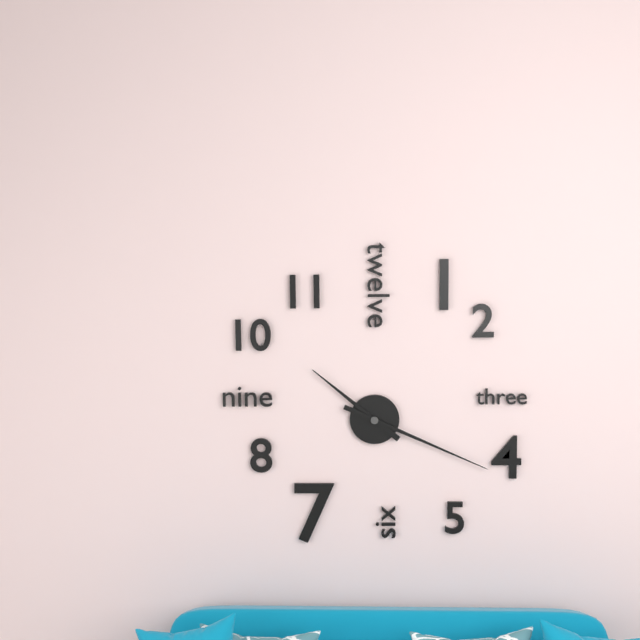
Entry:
10.19
